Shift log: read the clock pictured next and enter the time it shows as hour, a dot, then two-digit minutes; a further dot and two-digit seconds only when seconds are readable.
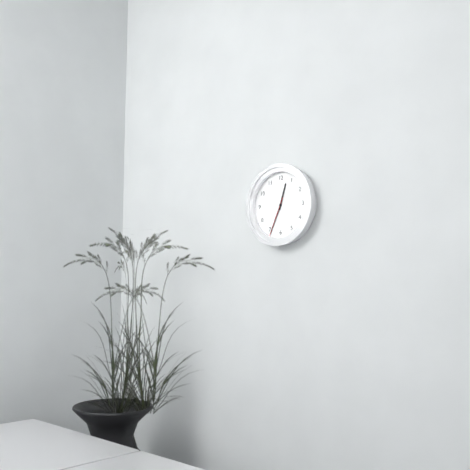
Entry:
12.34
